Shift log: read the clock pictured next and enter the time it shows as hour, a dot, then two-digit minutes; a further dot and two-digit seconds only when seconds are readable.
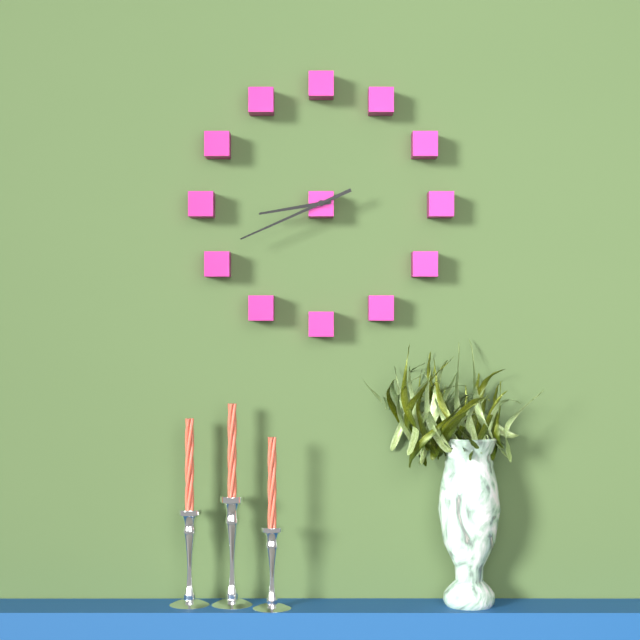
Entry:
8.41
